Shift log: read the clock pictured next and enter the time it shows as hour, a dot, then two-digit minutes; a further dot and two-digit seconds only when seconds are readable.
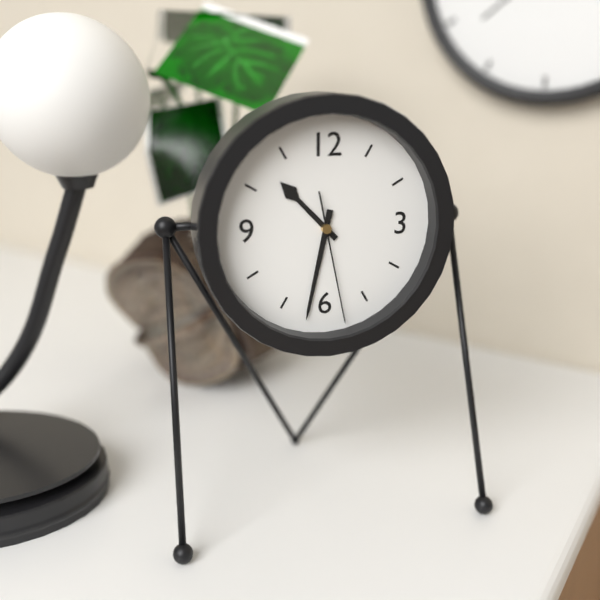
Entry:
10.32.28
